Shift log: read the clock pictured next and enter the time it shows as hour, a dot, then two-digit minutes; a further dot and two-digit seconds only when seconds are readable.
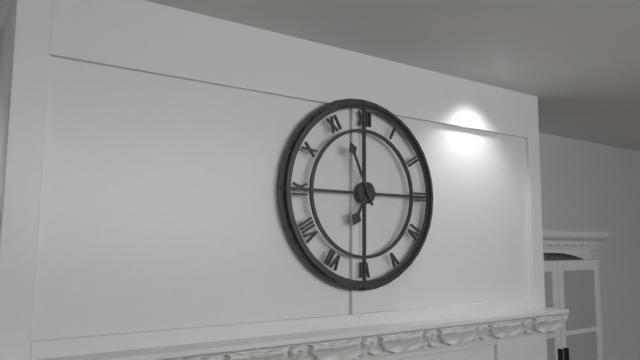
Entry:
6.56
